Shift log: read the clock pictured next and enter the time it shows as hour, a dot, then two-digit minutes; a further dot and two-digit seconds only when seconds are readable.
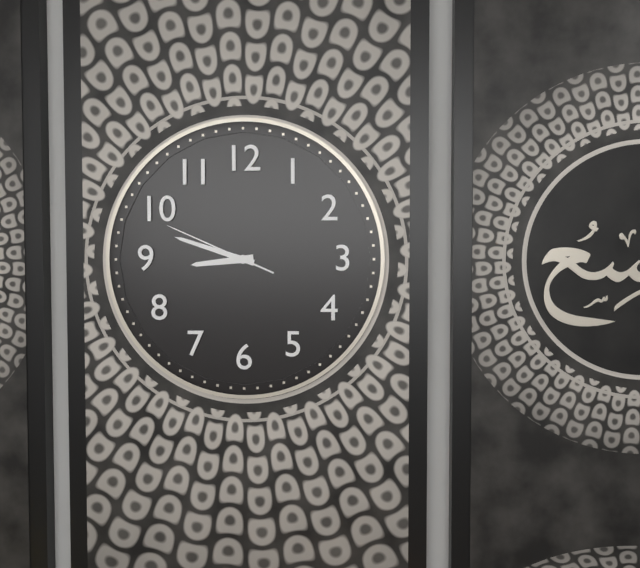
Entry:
8.48.49
